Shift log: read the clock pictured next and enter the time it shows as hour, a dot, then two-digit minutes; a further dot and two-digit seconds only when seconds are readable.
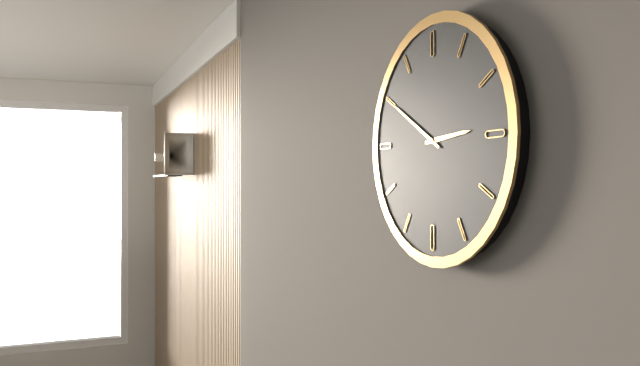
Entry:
2.50
